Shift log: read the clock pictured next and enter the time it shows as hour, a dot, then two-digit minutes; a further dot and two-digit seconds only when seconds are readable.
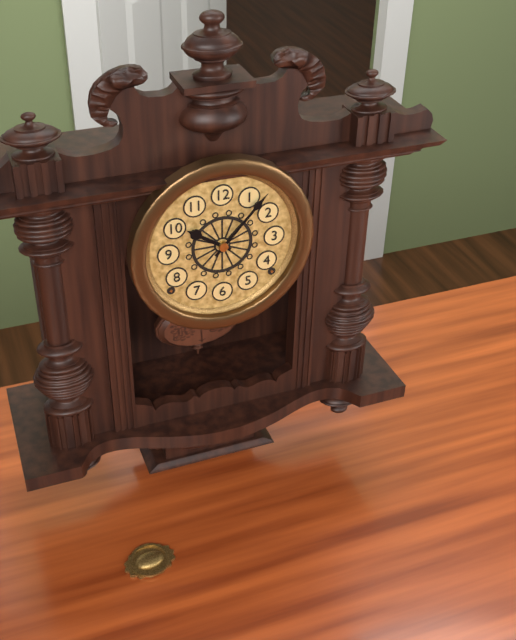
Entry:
10.07
